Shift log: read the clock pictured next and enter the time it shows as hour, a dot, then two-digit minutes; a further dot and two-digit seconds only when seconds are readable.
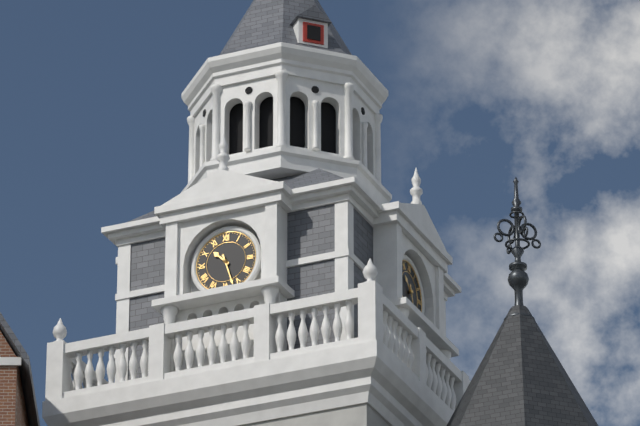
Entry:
10.27
